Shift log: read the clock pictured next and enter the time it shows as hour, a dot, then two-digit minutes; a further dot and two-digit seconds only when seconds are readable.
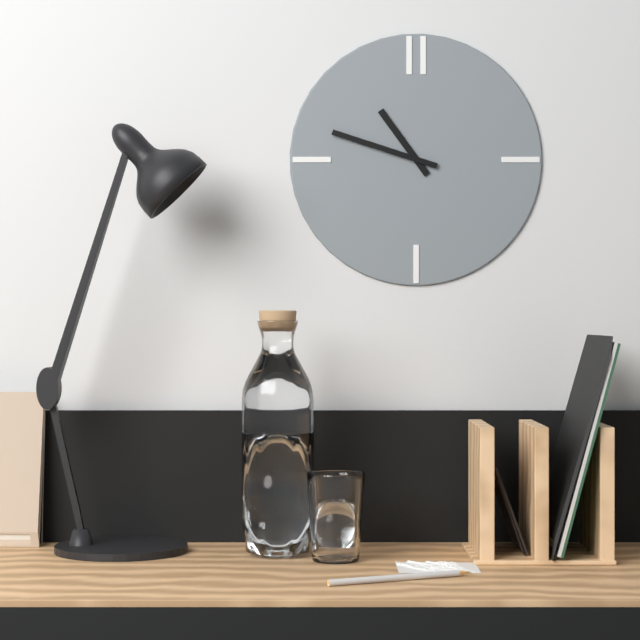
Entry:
10.48
